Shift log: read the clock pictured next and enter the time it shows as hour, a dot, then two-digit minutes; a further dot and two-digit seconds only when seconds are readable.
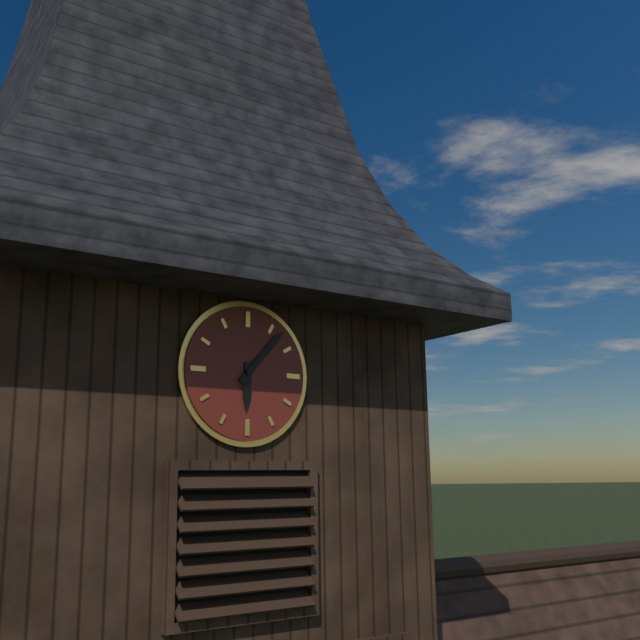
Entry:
6.07
